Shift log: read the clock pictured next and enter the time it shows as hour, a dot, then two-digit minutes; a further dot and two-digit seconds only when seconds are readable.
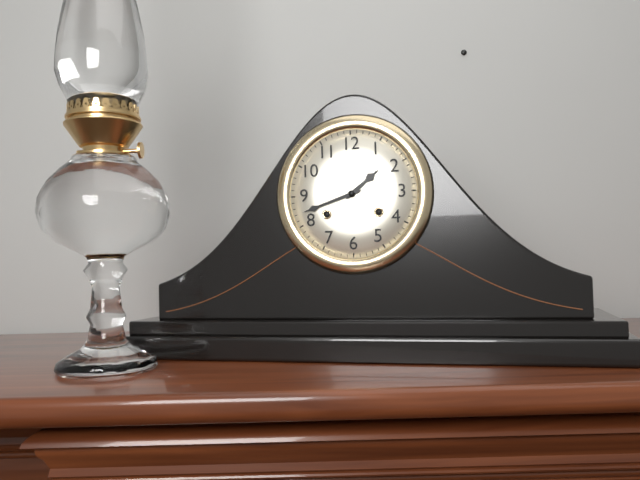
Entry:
1.42
